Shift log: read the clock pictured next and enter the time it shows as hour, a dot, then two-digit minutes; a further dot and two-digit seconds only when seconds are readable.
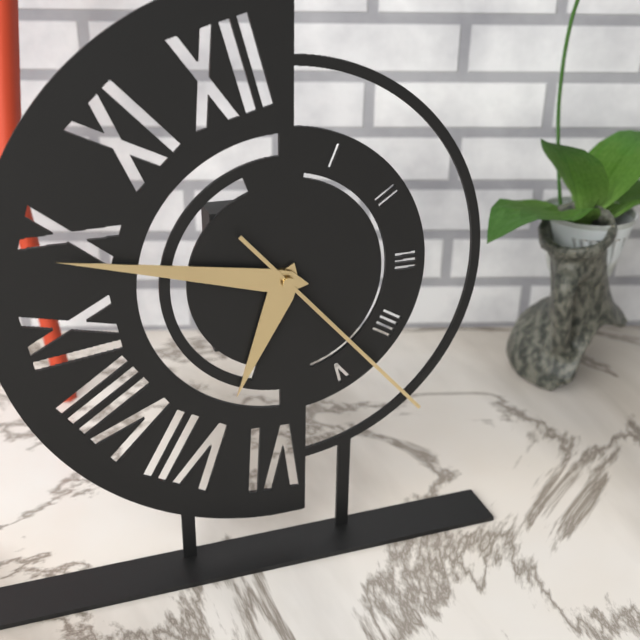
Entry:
6.47.23
